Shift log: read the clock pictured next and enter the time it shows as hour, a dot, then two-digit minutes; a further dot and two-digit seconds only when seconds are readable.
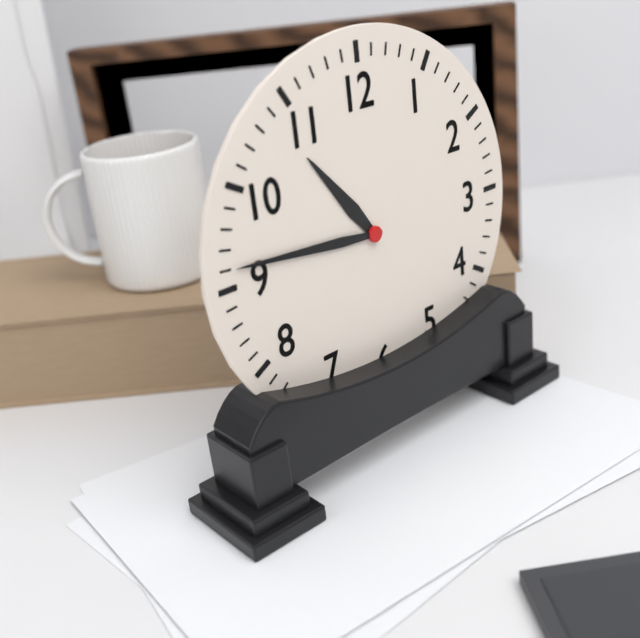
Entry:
10.46
